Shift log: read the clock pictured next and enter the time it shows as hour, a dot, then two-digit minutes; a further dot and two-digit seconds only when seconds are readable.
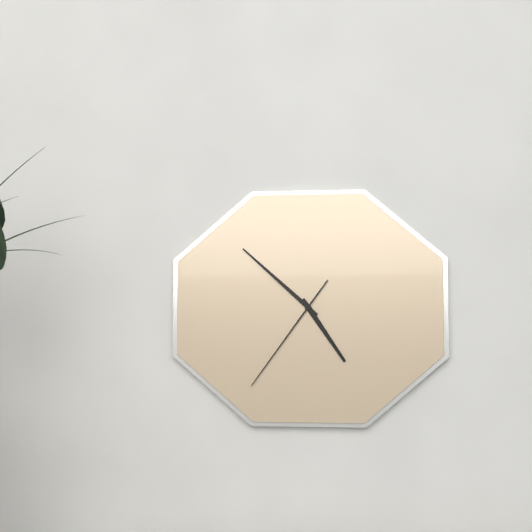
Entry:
4.52.36
